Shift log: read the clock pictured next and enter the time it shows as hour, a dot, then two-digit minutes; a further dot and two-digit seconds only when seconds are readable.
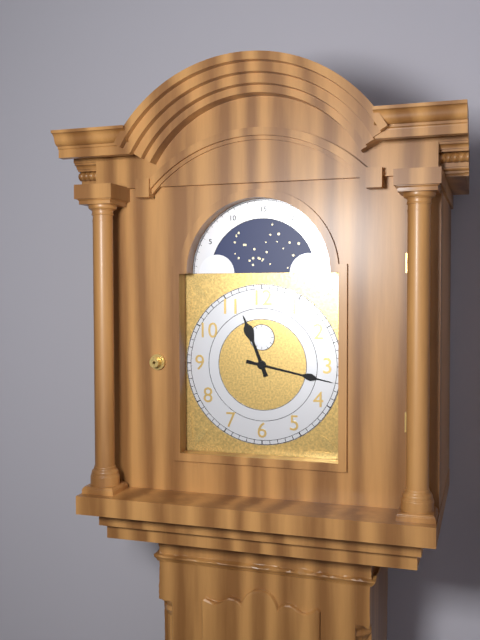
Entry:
11.17
